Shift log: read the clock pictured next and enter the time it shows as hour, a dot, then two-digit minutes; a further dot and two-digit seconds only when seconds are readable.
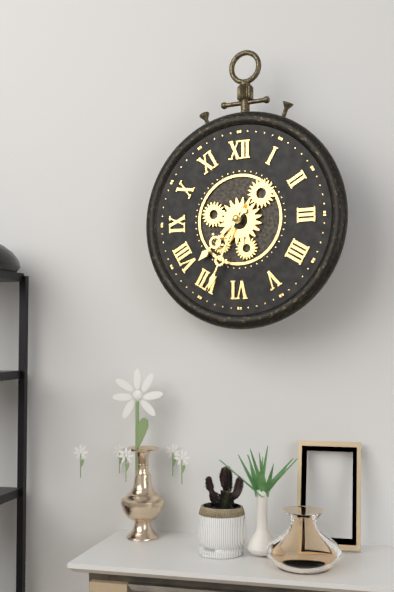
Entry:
7.34
